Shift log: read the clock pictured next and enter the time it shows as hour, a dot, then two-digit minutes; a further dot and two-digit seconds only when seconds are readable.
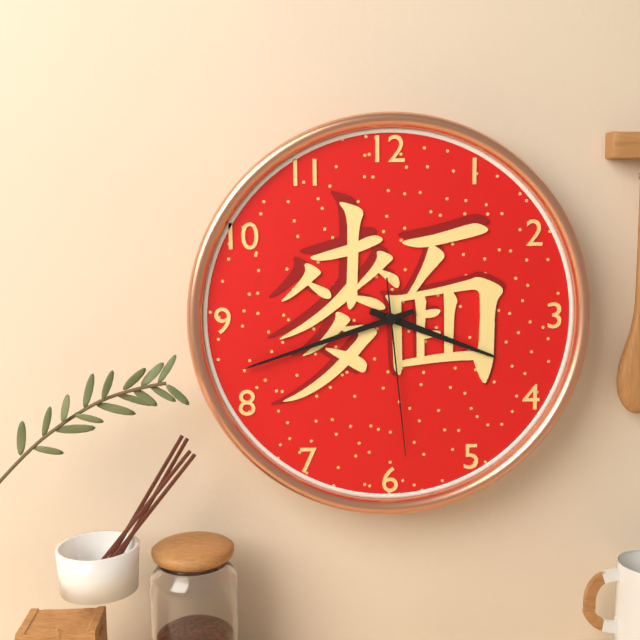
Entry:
3.42.29
